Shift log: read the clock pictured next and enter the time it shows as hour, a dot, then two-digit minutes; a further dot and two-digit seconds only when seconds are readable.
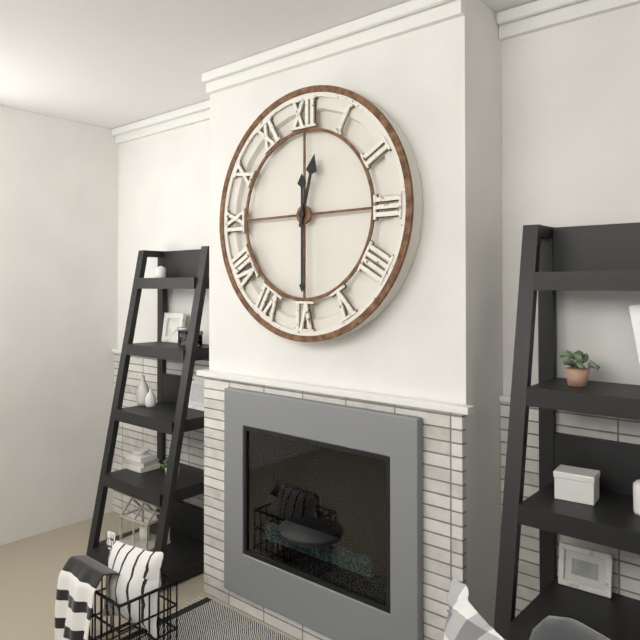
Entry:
12.30
